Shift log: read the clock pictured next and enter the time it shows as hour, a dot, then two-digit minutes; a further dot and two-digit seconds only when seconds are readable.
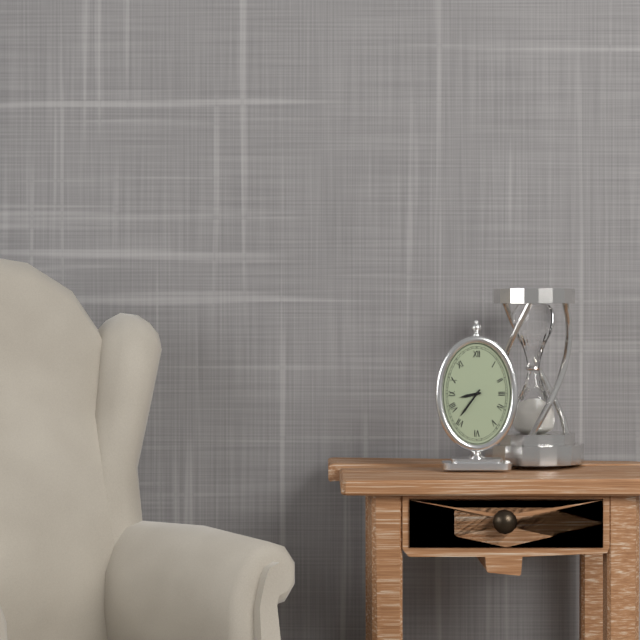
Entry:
8.36
